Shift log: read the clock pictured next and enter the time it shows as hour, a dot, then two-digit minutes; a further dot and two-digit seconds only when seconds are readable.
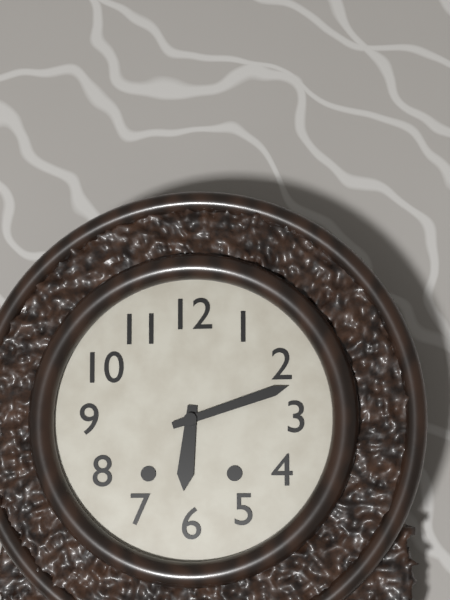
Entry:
6.12
